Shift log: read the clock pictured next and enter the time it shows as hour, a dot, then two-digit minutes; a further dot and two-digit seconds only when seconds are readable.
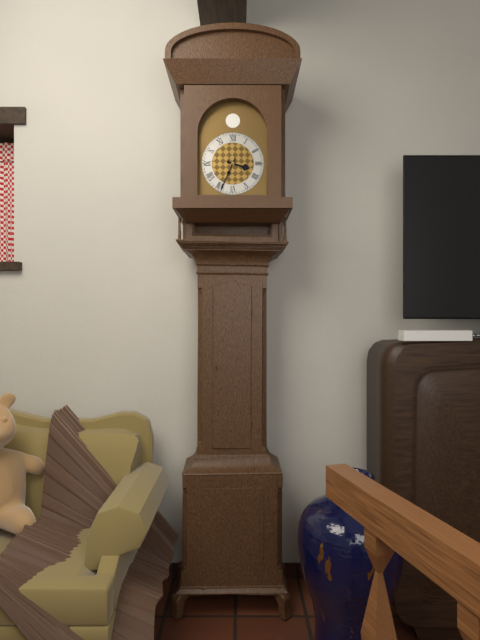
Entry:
3.34
